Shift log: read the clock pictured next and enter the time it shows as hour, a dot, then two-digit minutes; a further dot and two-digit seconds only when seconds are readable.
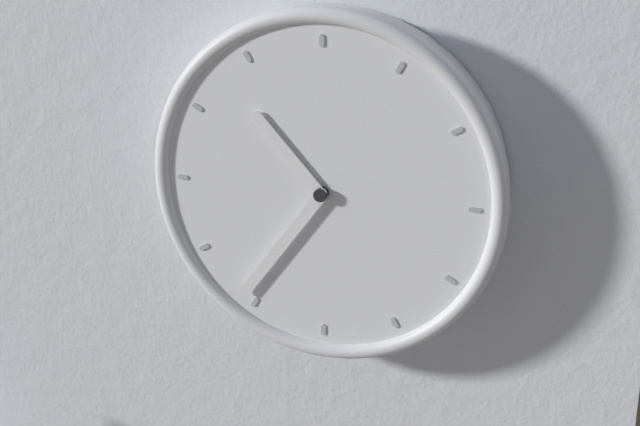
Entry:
10.36
